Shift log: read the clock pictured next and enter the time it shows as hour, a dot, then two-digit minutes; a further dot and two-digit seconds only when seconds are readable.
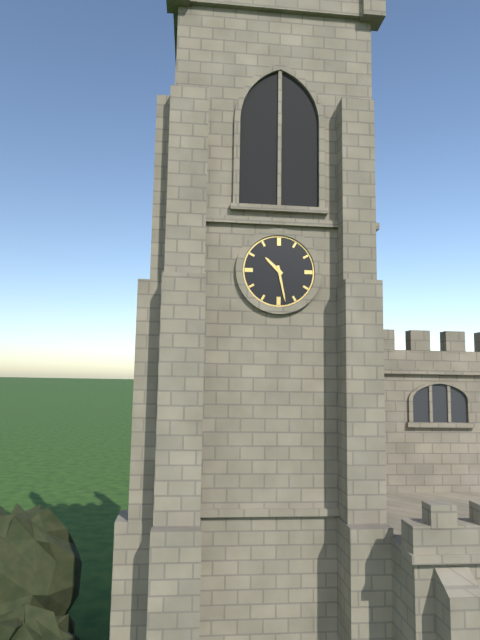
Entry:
10.28
